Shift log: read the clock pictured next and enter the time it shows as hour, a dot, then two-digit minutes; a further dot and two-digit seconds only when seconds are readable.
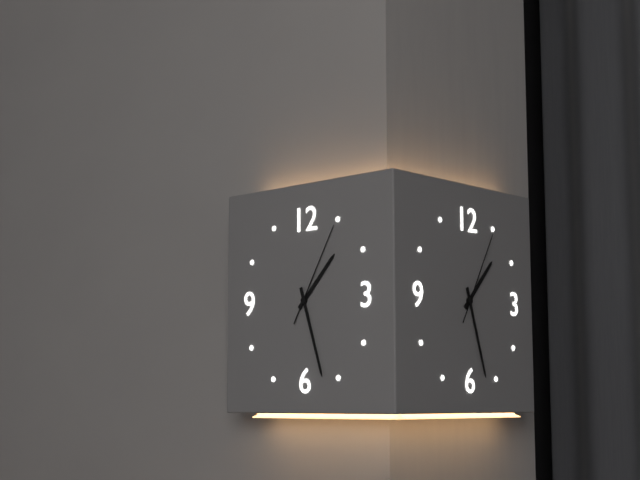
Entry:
1.27.05
